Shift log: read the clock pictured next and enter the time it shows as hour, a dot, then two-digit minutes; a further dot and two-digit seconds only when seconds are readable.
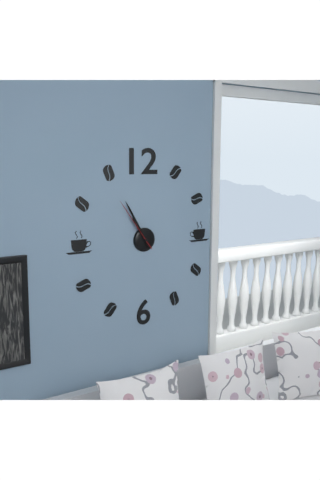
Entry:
10.55.54
